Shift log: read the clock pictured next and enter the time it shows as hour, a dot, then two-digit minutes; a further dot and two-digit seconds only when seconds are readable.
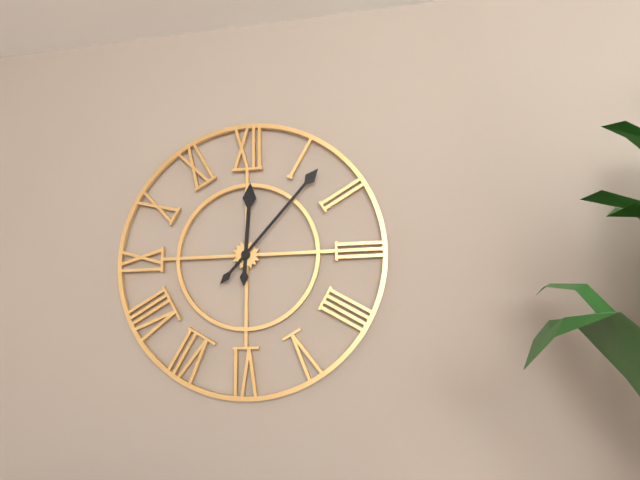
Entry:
12.07
